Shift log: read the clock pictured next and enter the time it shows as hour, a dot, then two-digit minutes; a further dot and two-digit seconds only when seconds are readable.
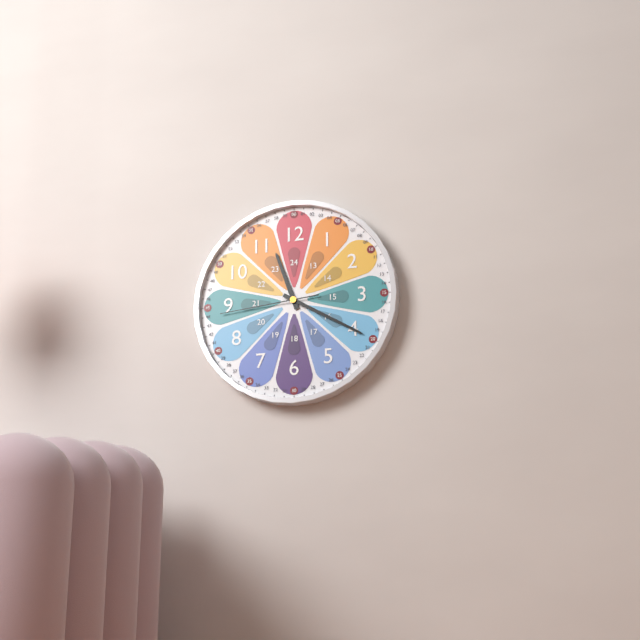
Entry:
11.20.44
